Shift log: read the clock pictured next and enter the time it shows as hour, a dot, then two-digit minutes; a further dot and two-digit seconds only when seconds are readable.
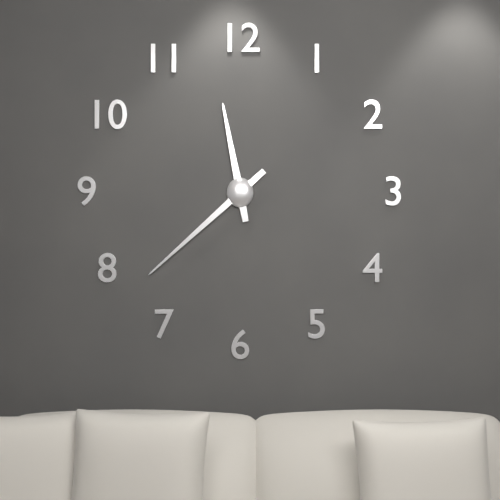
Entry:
11.38
